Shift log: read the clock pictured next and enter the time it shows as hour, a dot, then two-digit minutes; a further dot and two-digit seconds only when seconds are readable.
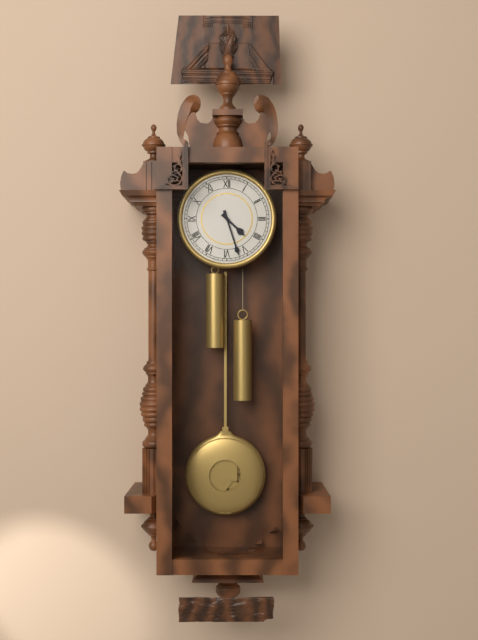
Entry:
4.27
